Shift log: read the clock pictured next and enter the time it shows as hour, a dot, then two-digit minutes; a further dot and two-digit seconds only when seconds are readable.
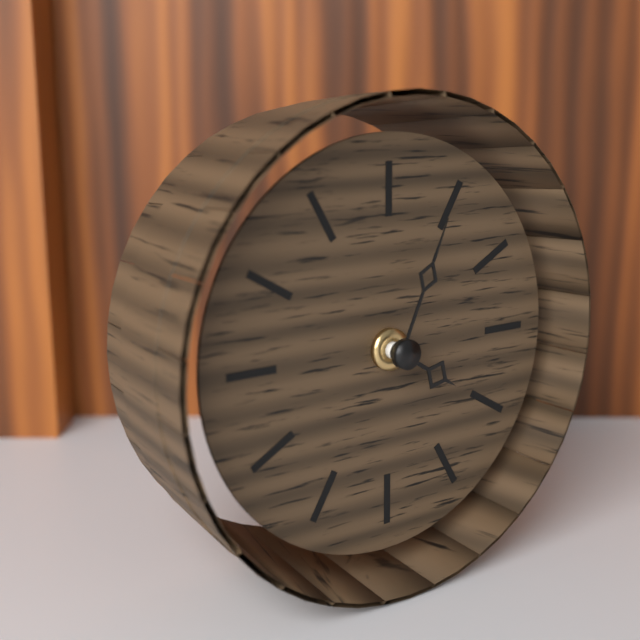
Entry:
4.04
